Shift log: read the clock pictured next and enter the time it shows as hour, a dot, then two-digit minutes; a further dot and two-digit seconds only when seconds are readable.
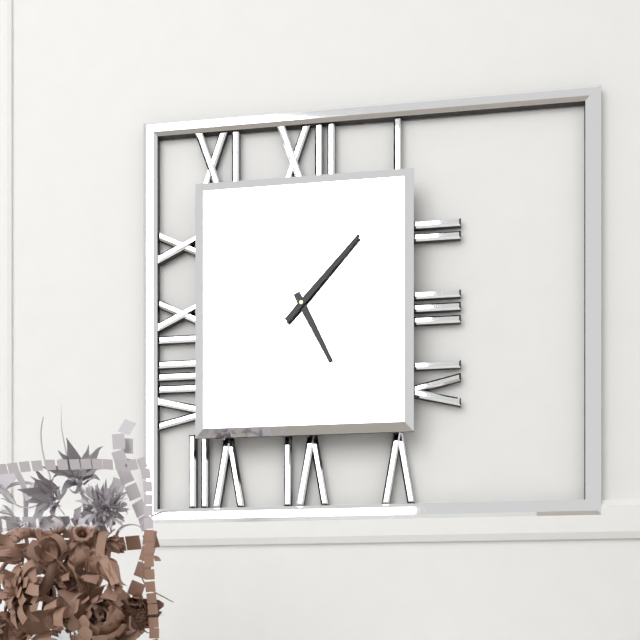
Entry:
5.07
